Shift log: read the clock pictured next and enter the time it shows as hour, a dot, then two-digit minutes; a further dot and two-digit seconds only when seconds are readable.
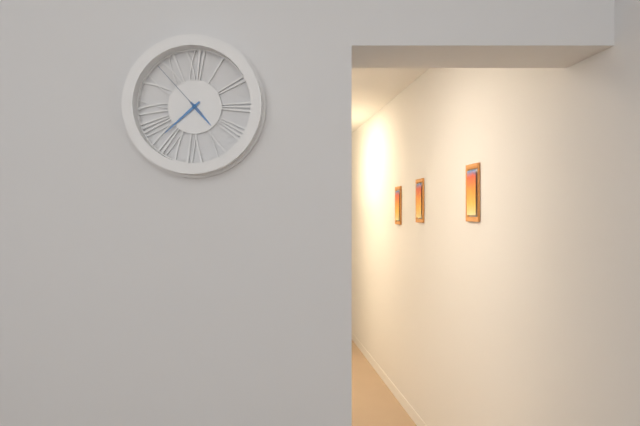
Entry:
4.38.53
